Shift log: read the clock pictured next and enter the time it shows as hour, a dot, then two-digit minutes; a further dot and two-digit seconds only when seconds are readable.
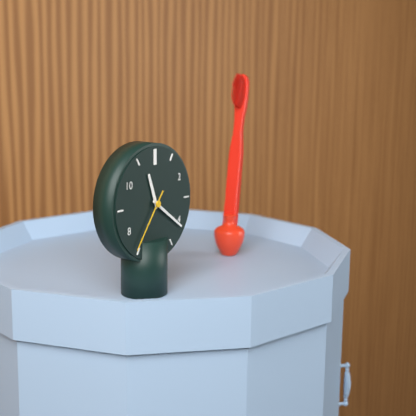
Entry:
11.21.36
